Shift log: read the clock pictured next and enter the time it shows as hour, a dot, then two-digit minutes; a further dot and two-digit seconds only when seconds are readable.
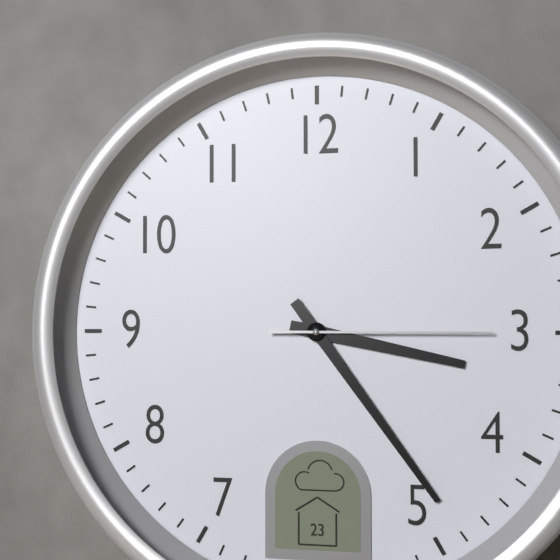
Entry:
3.24.15
